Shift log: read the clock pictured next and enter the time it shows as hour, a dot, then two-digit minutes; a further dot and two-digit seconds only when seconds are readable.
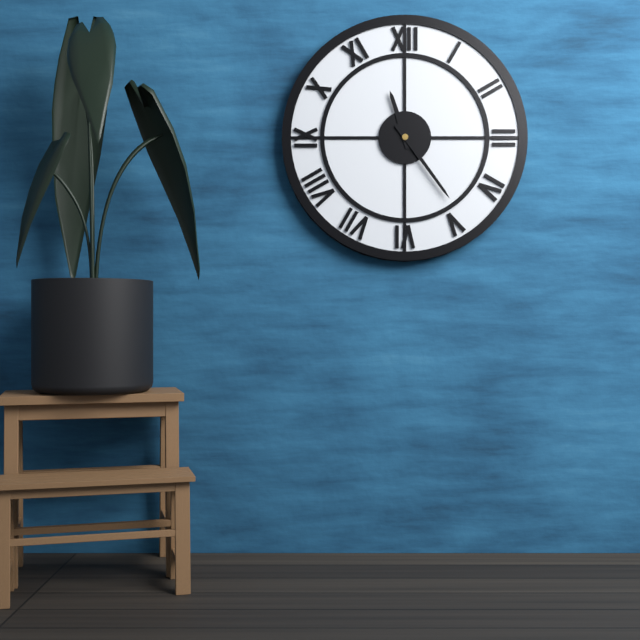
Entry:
11.24
